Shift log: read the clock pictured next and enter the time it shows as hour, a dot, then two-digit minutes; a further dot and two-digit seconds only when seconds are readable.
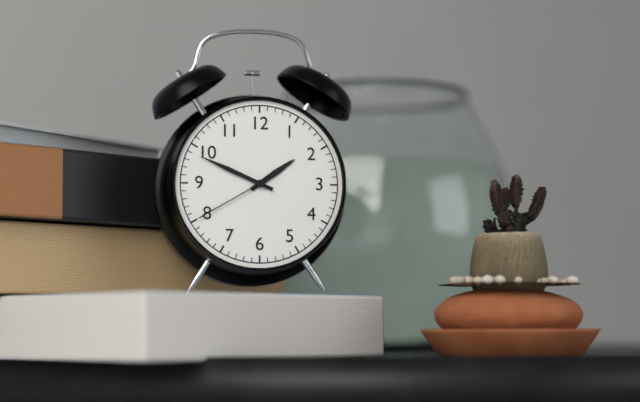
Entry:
1.49.40
